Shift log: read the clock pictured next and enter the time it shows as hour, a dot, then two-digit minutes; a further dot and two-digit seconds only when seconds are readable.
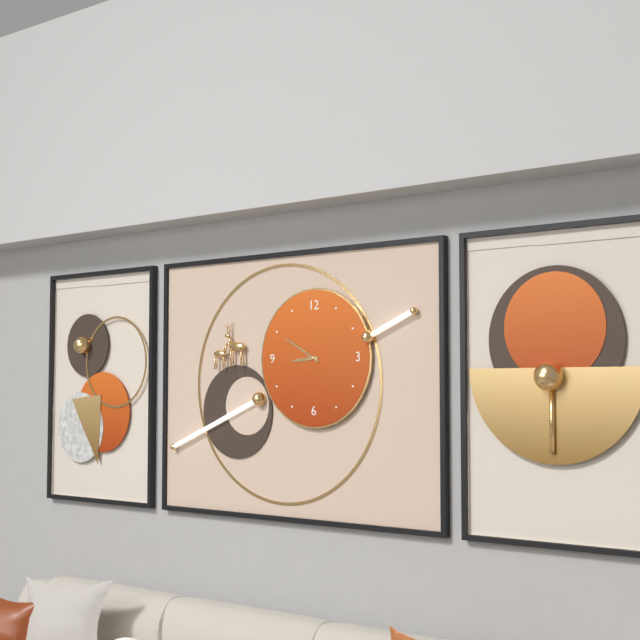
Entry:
8.50
